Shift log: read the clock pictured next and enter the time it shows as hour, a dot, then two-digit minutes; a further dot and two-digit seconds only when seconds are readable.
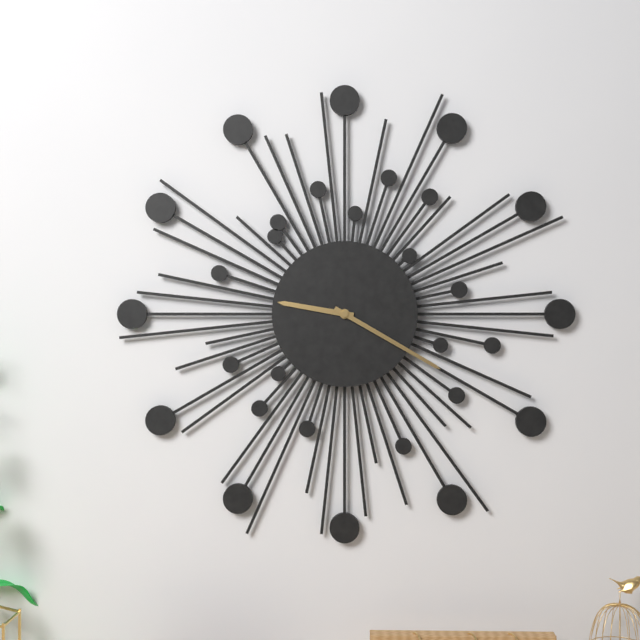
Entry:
9.20
